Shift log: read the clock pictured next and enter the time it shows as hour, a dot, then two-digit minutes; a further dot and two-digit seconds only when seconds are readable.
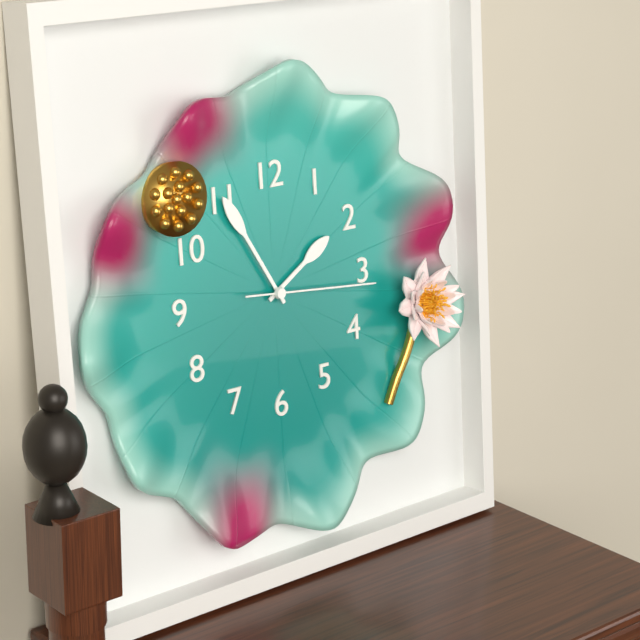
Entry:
1.55.16
